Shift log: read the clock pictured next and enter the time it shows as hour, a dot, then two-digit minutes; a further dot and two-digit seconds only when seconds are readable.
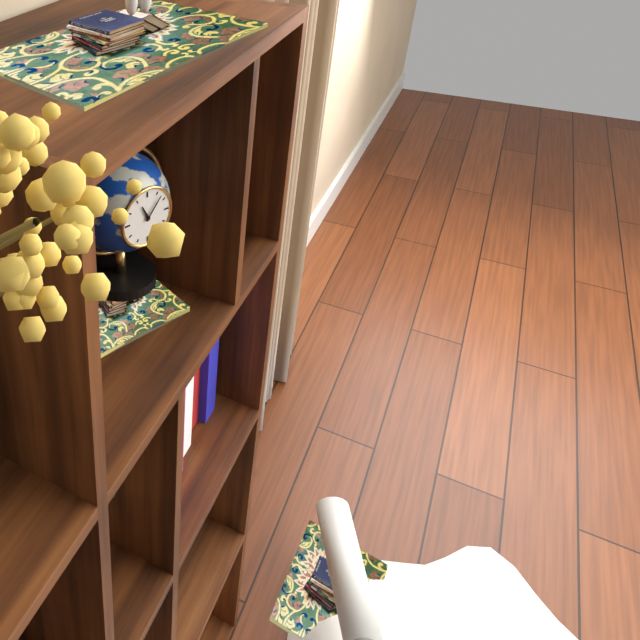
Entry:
11.07
